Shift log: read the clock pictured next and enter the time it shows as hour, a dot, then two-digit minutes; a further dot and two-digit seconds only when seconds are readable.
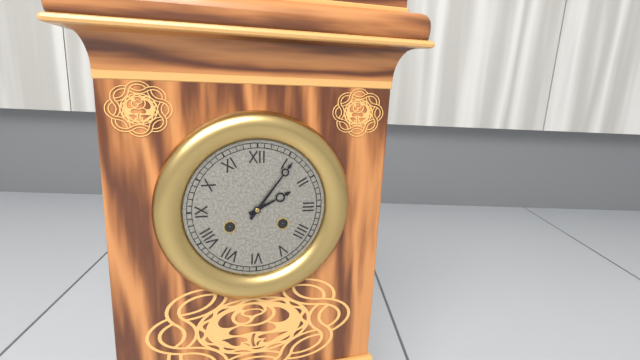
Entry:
2.06
